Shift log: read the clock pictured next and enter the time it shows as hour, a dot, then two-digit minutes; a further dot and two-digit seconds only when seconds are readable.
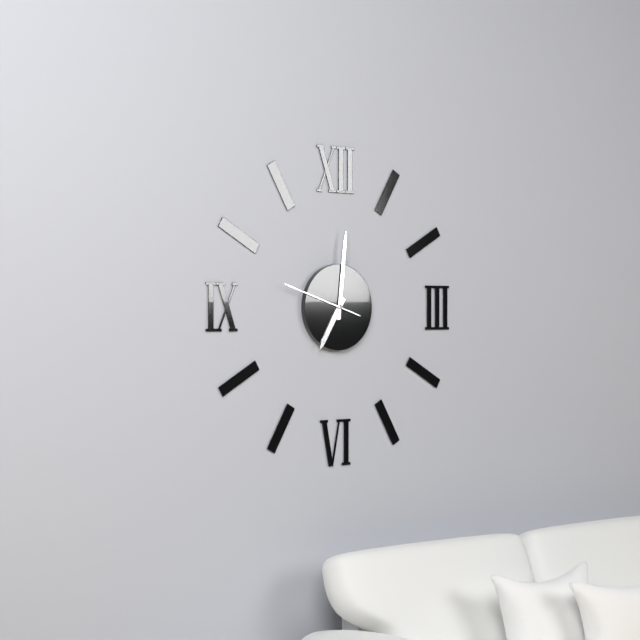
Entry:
7.01.48
